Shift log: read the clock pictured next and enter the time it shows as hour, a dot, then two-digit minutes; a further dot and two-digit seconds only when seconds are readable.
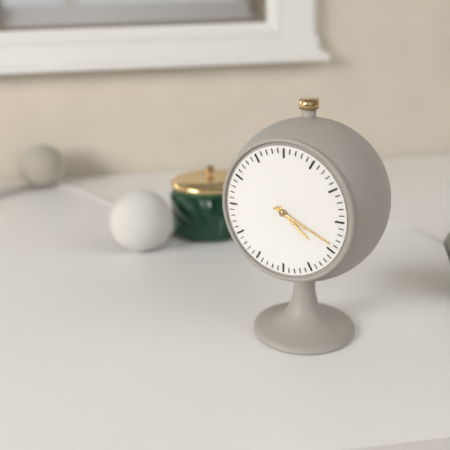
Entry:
4.19
